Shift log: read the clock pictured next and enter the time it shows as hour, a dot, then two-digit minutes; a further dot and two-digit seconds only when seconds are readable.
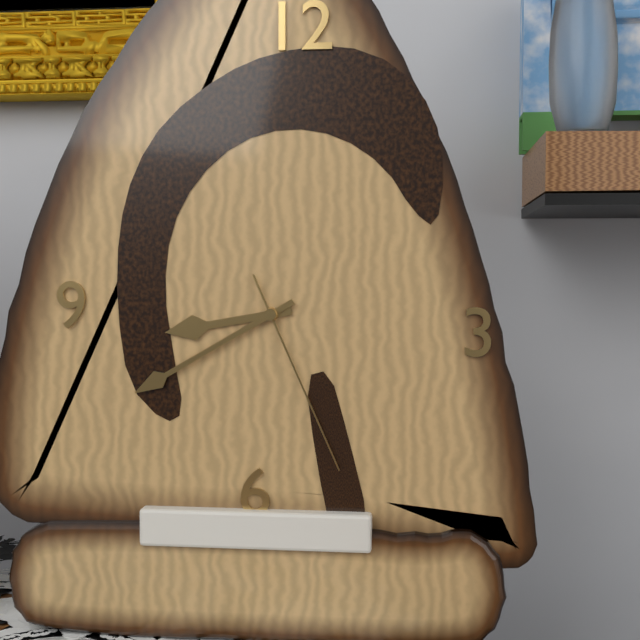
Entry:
8.40.26
